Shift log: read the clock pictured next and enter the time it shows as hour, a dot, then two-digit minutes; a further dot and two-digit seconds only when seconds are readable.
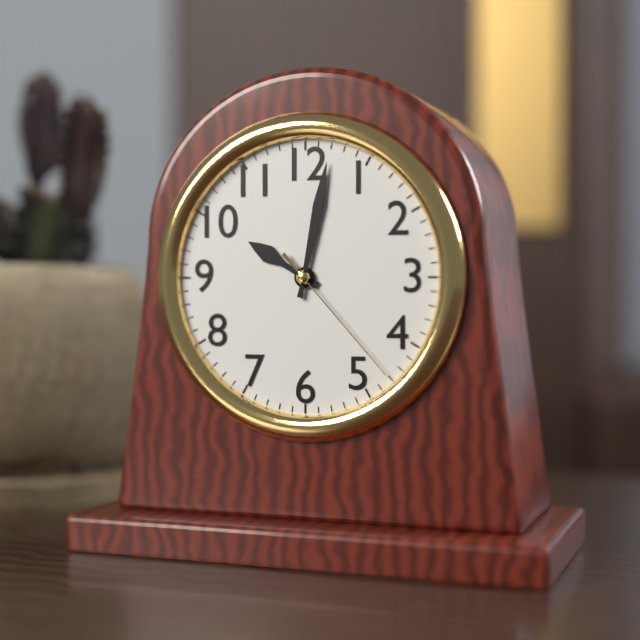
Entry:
10.02.23
